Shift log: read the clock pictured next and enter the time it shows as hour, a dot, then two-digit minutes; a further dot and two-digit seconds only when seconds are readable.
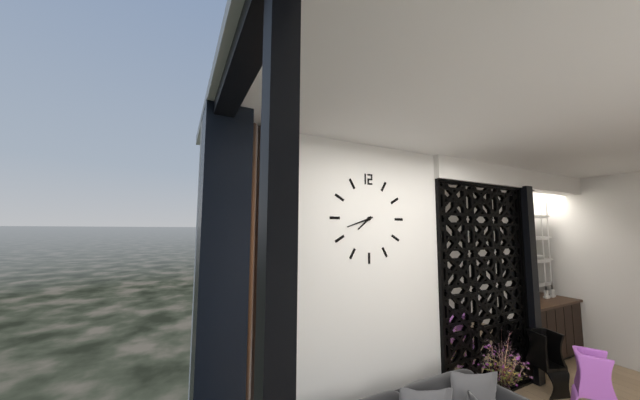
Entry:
7.42
